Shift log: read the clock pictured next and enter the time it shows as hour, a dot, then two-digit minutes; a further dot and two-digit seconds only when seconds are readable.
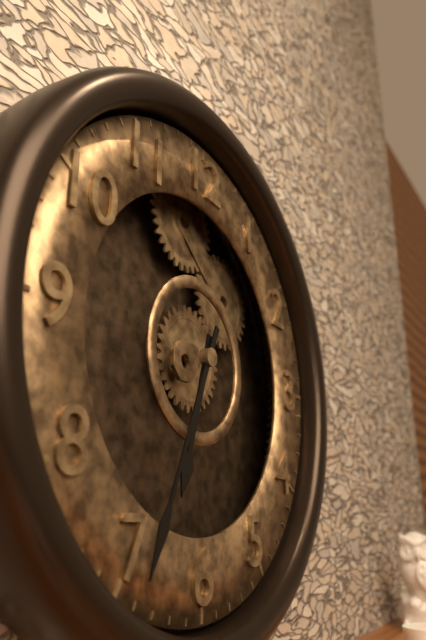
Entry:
6.34
